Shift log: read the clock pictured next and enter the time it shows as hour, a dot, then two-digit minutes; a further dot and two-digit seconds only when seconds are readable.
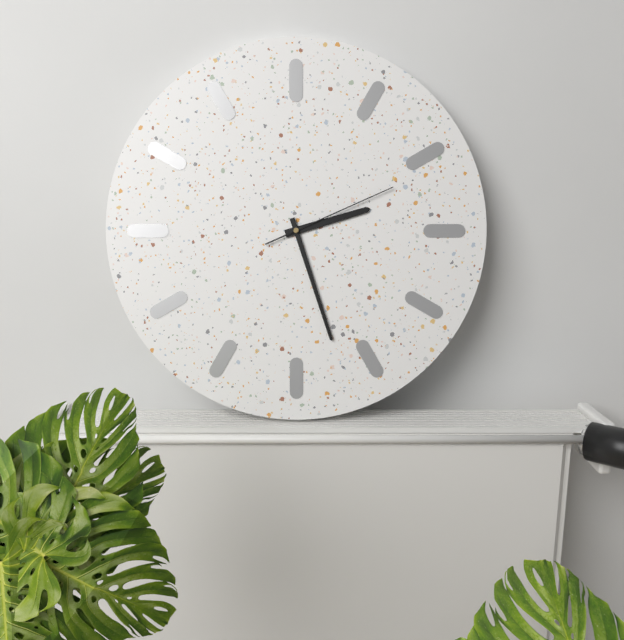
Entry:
2.27.11
